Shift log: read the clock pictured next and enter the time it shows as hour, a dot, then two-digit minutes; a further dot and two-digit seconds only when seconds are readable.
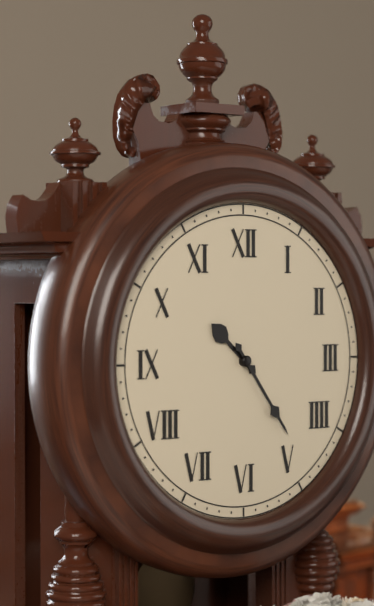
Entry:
10.24
